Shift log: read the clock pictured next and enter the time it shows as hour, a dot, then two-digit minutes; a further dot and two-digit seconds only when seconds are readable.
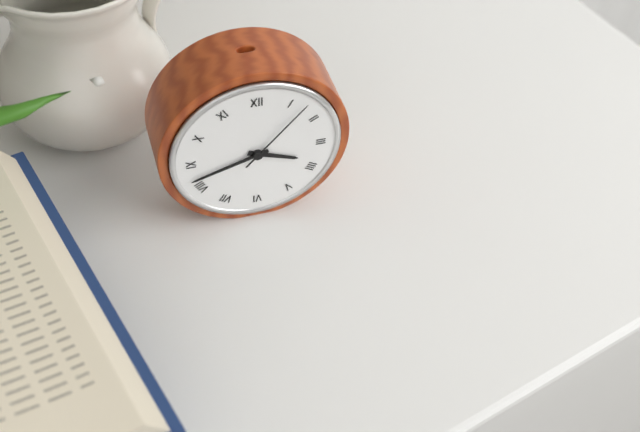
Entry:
3.42.07
